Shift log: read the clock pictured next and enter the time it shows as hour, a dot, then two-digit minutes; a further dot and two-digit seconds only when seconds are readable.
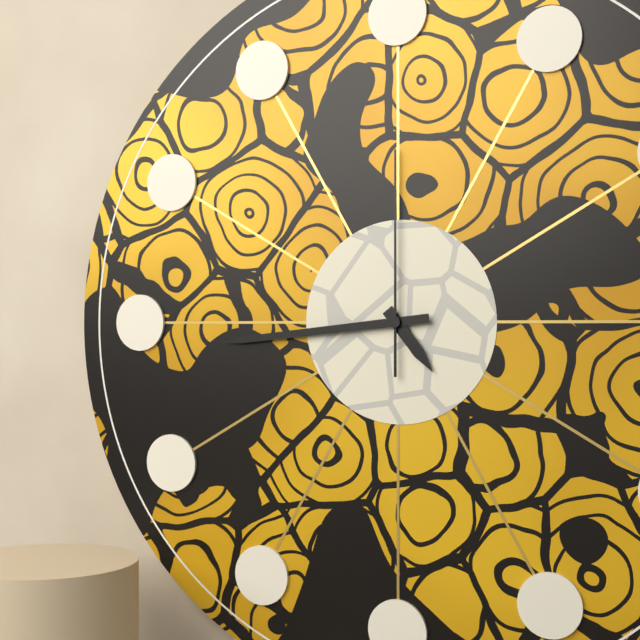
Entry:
4.44.00
